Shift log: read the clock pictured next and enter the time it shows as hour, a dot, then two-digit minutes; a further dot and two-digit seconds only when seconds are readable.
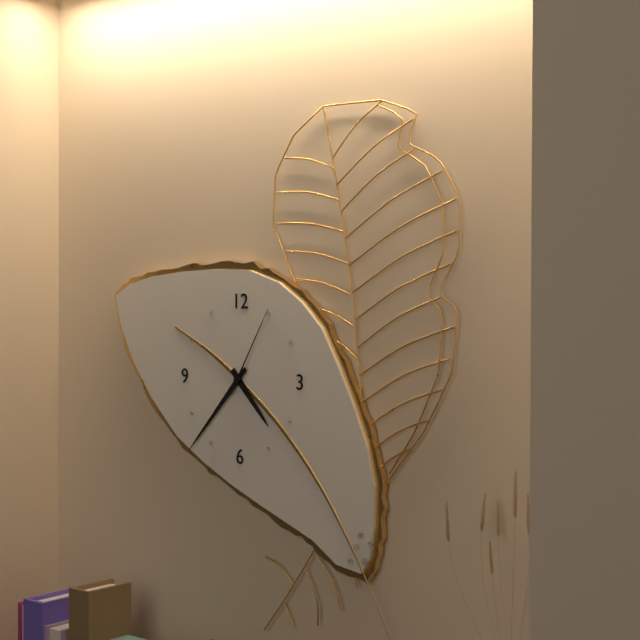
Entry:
4.37.05
